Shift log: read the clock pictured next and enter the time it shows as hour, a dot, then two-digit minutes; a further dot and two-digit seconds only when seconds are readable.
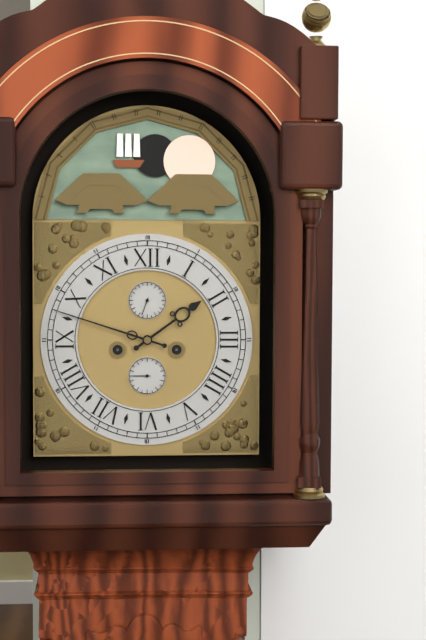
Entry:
1.48
